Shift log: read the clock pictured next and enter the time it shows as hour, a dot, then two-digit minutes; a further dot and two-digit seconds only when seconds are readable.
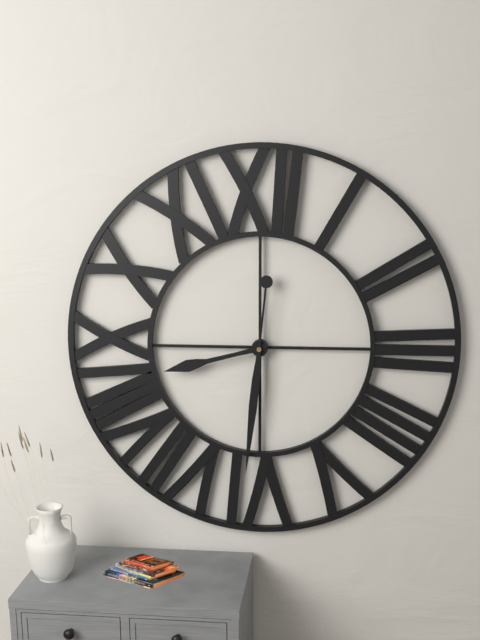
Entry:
8.31
